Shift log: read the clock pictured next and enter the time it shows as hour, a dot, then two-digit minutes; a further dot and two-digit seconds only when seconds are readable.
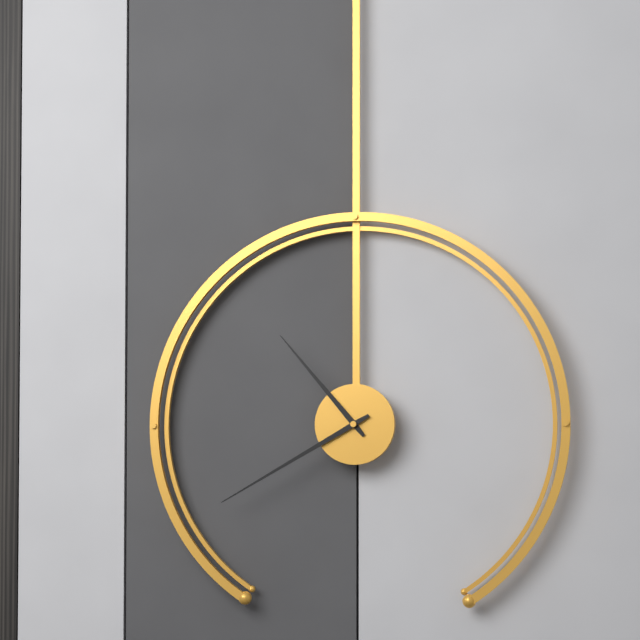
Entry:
10.40
